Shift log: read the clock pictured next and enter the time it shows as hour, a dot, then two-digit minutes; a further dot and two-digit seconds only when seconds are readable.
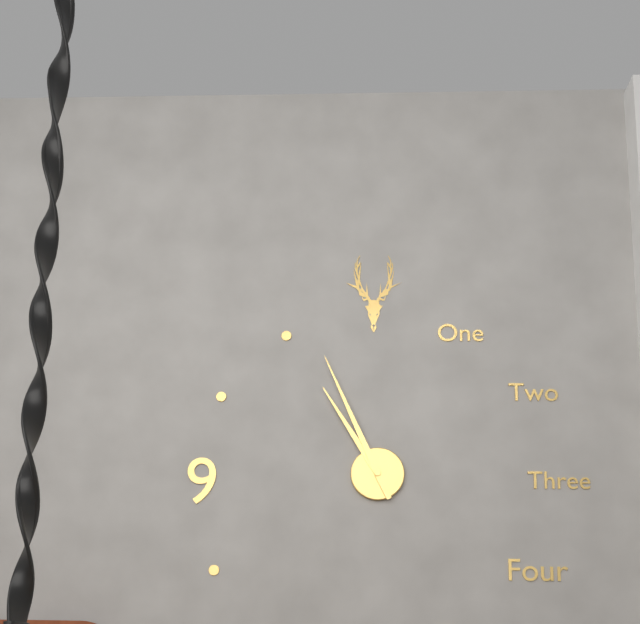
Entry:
10.56
